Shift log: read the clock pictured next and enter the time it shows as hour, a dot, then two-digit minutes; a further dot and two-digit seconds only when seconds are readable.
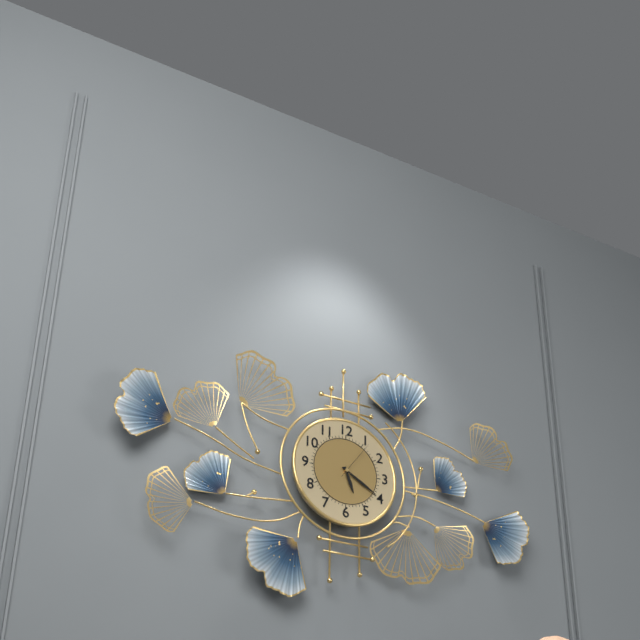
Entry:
5.20
